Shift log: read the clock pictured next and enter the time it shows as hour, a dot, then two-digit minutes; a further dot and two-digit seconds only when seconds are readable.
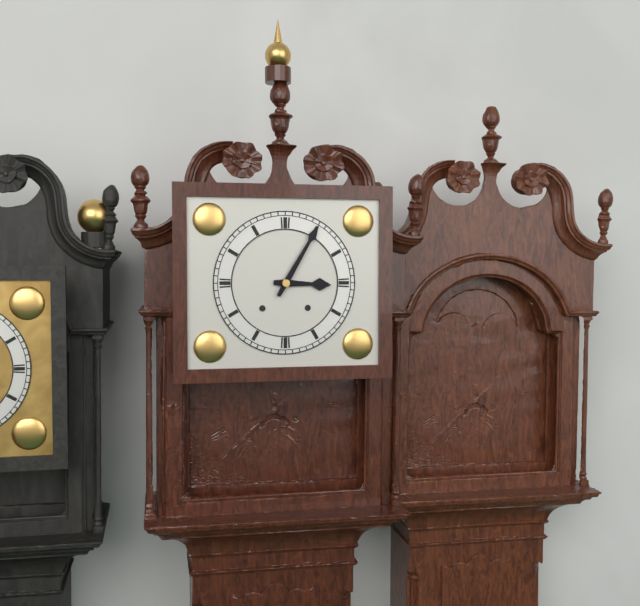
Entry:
3.05
